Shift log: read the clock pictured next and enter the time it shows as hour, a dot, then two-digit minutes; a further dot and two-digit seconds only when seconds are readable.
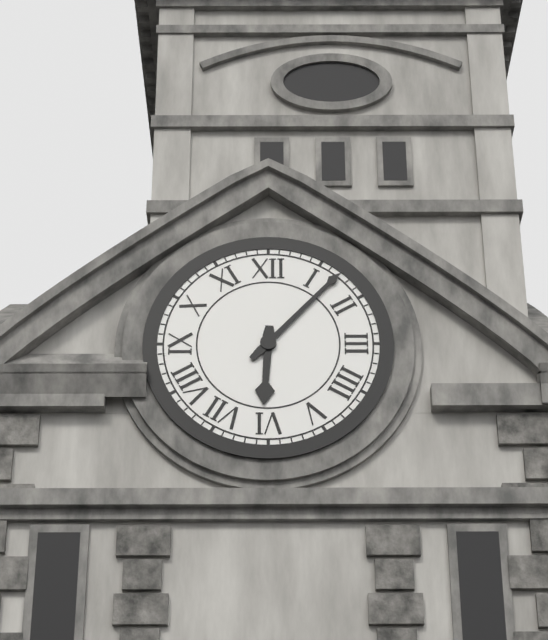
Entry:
6.07
